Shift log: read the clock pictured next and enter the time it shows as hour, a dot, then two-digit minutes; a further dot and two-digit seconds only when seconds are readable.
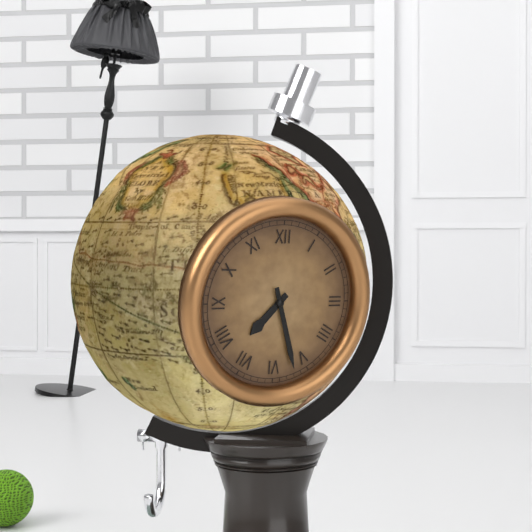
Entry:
7.27
